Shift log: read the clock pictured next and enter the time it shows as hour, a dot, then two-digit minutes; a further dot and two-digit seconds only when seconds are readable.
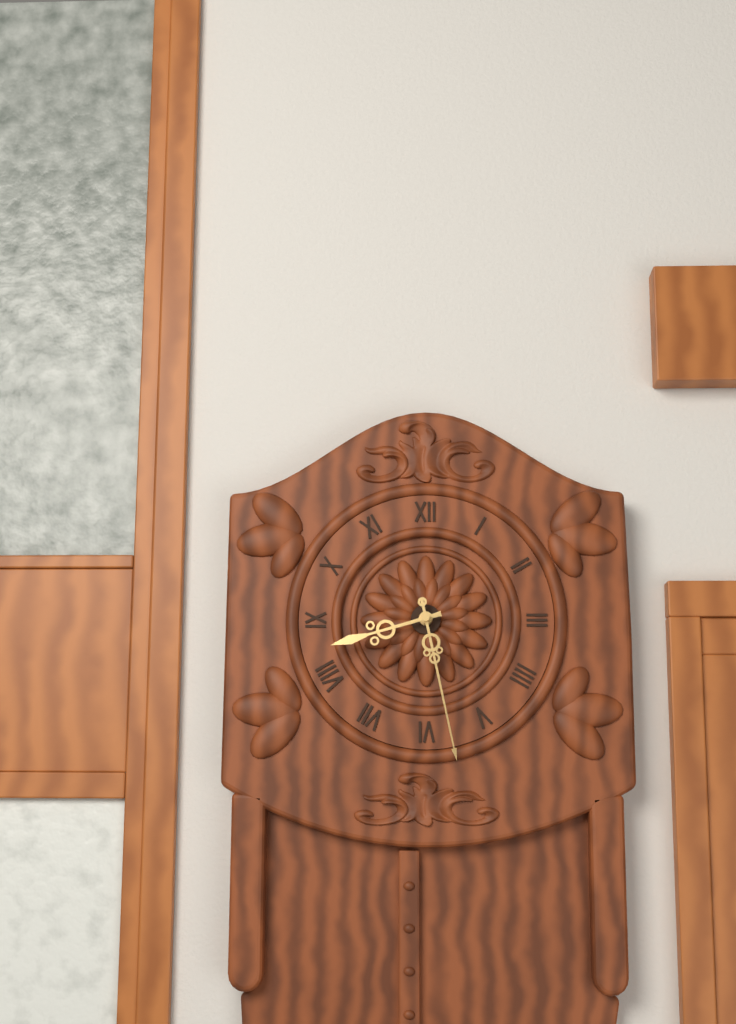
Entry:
8.28
